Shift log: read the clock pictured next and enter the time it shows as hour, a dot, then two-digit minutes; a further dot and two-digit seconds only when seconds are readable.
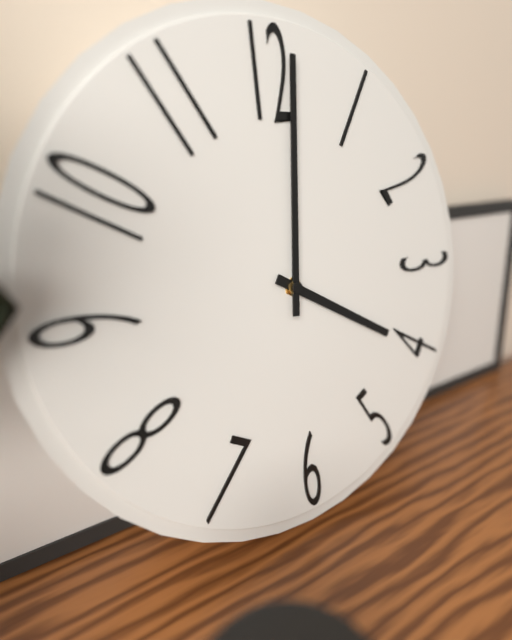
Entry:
4.01
